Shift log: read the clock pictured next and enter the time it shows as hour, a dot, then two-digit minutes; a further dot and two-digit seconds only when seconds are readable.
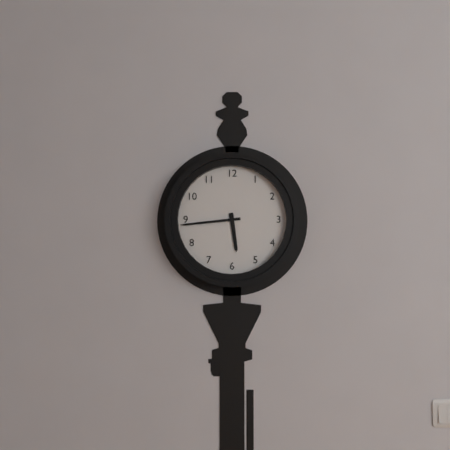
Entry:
5.44
